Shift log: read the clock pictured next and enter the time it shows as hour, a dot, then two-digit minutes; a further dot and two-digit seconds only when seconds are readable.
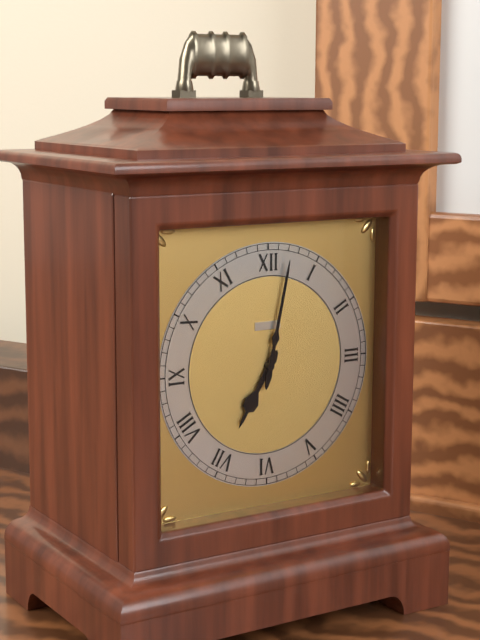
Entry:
7.02
